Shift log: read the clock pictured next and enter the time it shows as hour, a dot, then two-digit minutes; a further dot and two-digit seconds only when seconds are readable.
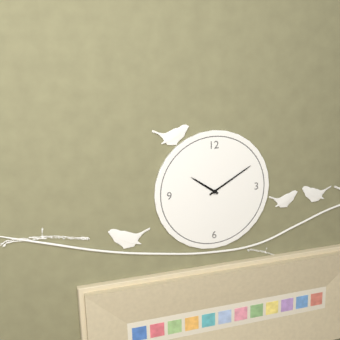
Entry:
10.10
